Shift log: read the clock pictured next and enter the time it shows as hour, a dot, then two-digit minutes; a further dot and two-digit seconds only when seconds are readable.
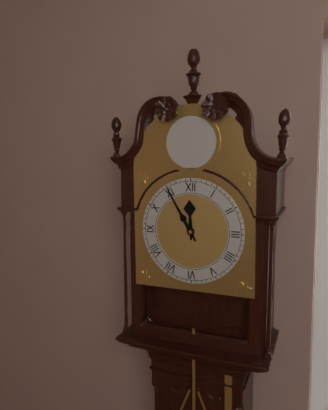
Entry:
11.55
